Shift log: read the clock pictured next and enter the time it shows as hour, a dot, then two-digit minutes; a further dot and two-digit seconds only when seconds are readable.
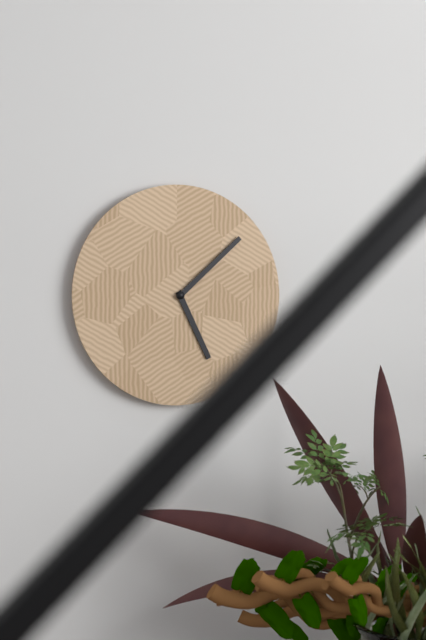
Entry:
5.08
